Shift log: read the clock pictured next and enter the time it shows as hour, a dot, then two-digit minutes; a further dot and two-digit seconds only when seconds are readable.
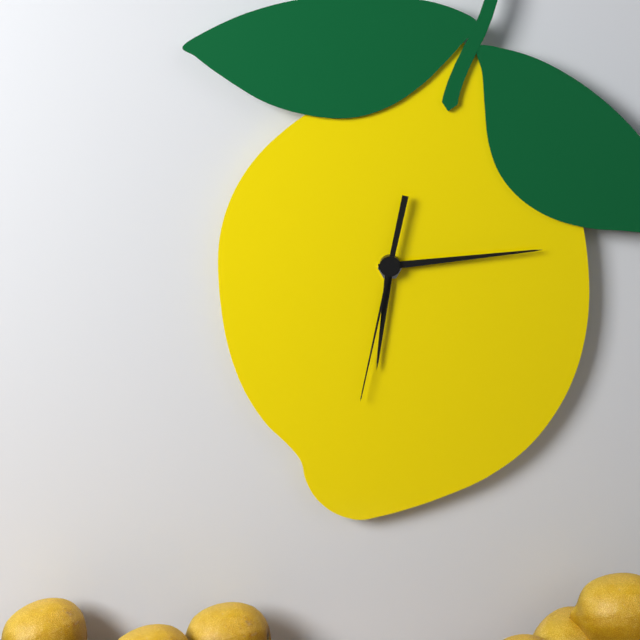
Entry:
6.14.32
